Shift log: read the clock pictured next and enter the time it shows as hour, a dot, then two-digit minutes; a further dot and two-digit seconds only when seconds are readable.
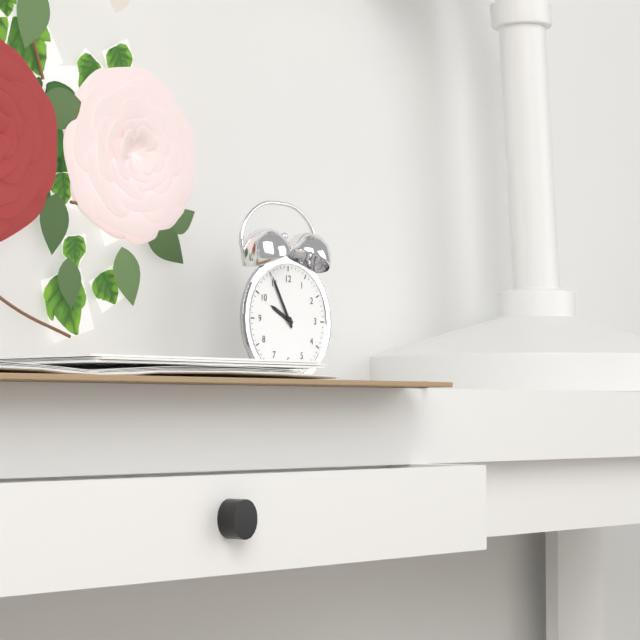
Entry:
9.55
